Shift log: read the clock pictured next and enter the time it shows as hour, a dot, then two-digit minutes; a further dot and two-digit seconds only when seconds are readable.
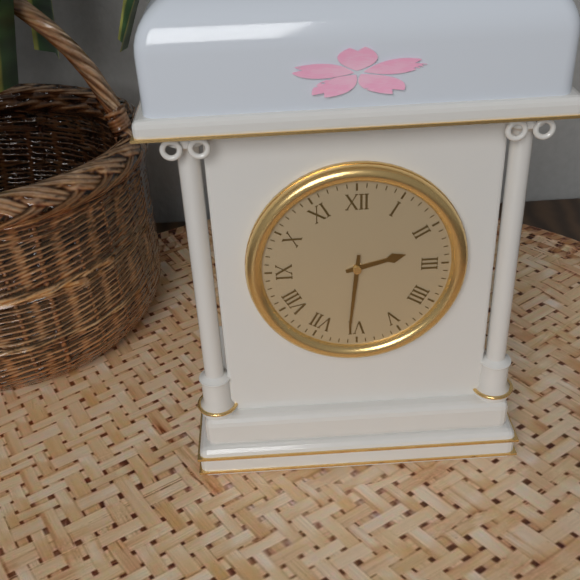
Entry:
2.31
